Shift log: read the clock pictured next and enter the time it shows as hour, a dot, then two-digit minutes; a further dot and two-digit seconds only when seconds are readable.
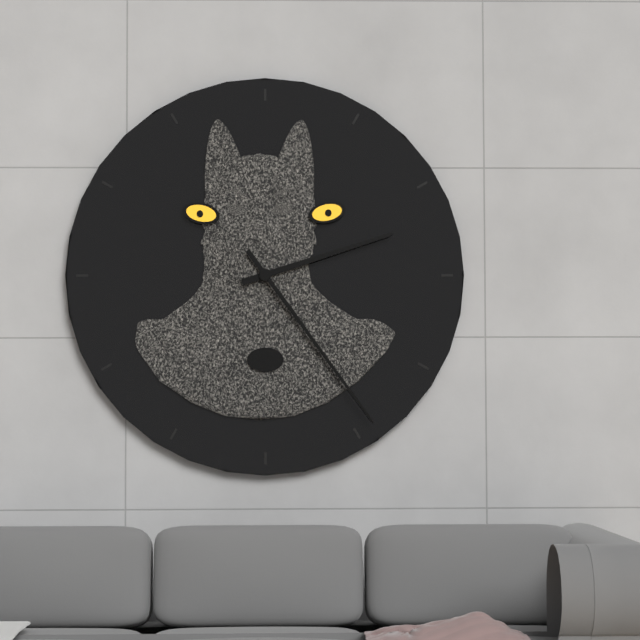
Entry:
2.24
